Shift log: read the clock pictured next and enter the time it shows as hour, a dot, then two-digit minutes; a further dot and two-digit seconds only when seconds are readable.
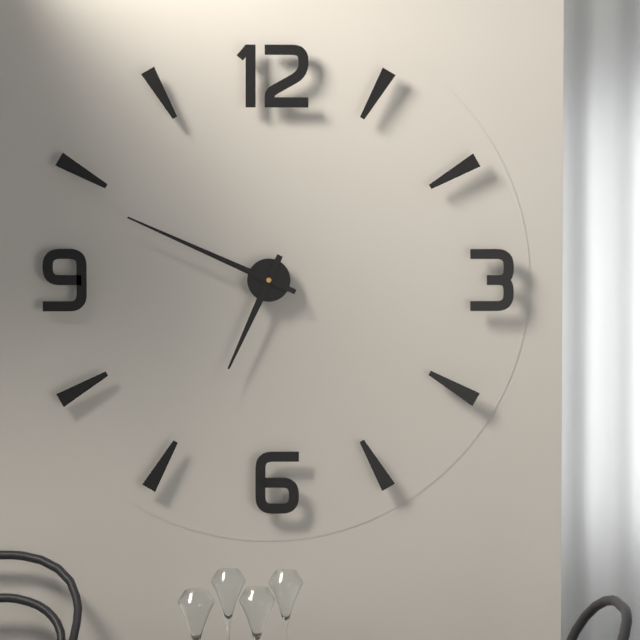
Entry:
6.49
